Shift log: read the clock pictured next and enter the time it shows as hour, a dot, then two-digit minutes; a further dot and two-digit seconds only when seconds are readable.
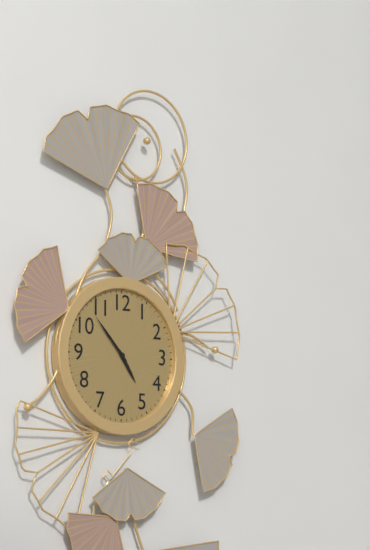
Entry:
4.53
